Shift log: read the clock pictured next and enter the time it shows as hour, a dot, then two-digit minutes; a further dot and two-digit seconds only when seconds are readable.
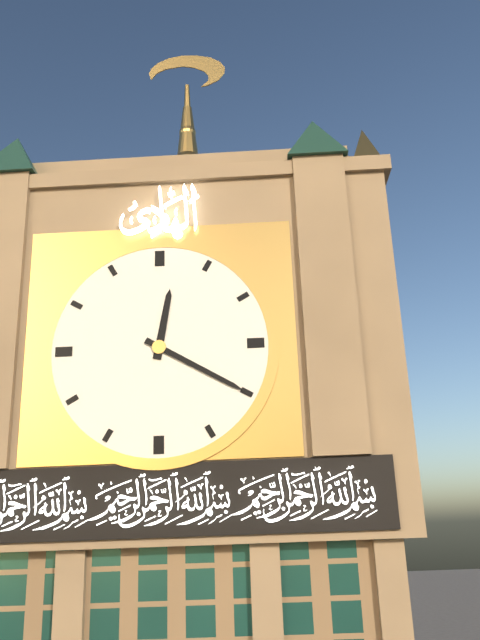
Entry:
12.20
